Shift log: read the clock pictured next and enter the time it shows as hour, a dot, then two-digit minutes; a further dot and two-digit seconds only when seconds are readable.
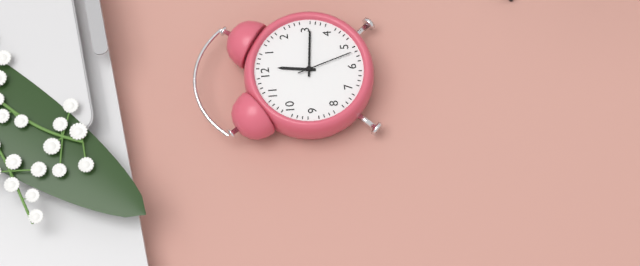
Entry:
12.16.27
